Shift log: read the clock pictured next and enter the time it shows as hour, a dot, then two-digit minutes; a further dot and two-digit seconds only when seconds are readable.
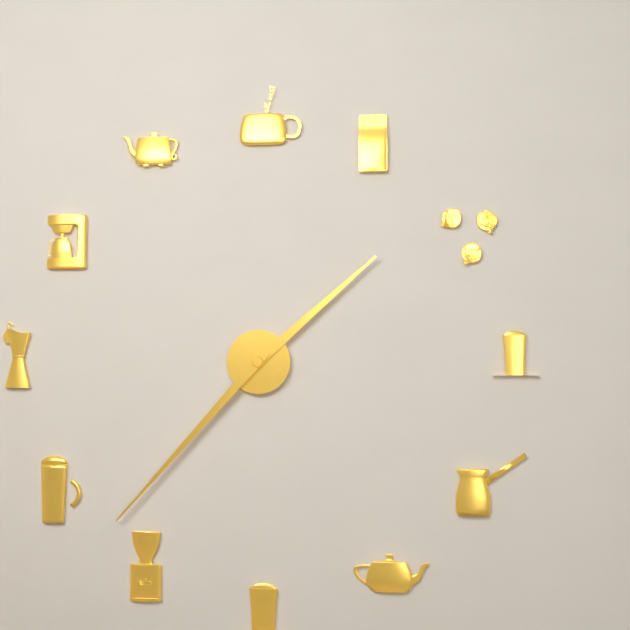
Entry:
1.37
